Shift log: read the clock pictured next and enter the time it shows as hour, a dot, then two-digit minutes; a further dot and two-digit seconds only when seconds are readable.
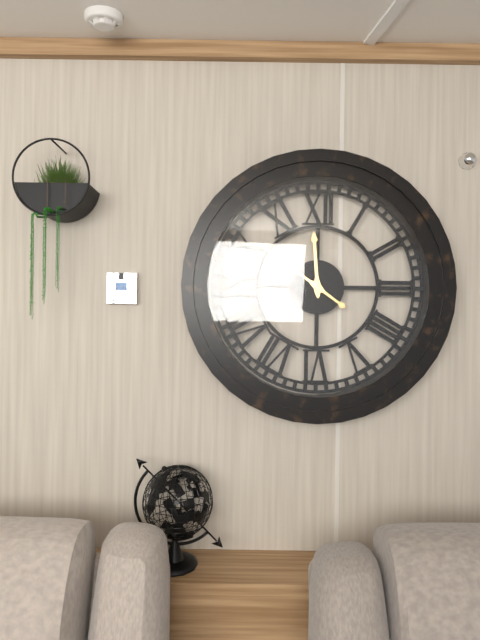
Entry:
11.51
